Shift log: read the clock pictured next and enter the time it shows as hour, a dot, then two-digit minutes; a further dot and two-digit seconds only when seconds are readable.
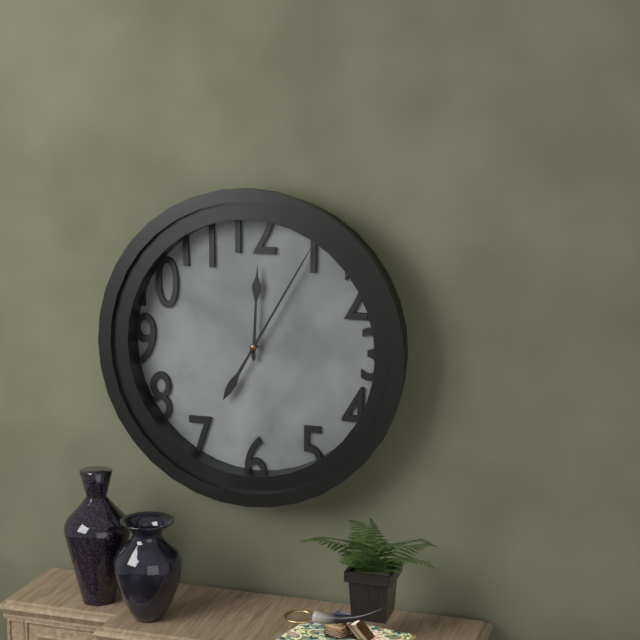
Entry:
12.05
